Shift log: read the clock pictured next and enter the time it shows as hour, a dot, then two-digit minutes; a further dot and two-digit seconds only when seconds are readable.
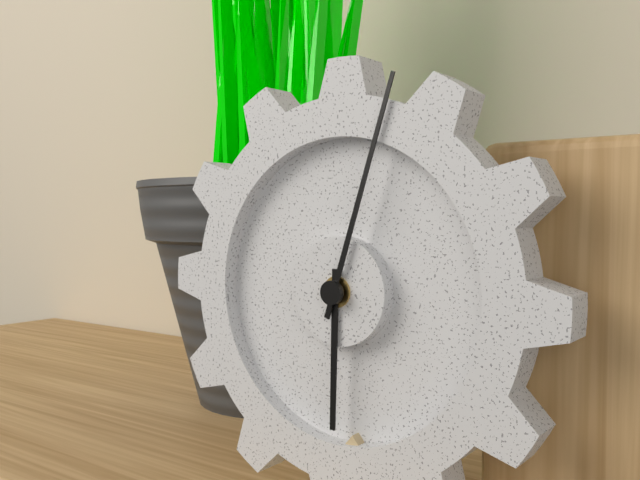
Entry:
6.03
